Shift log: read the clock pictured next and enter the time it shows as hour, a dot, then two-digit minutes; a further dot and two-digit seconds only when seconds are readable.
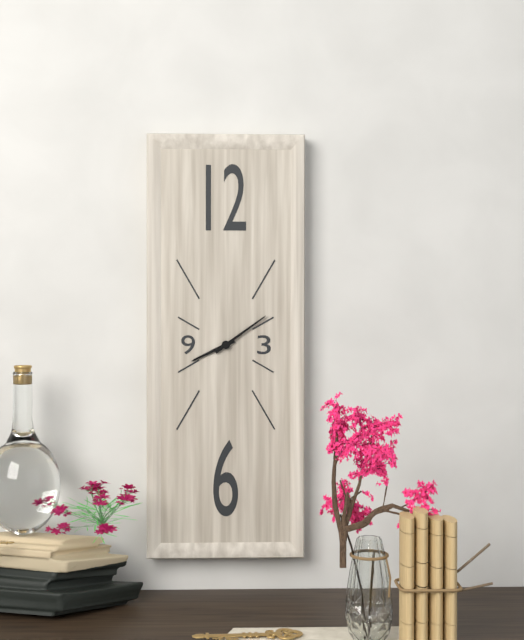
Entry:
8.09
